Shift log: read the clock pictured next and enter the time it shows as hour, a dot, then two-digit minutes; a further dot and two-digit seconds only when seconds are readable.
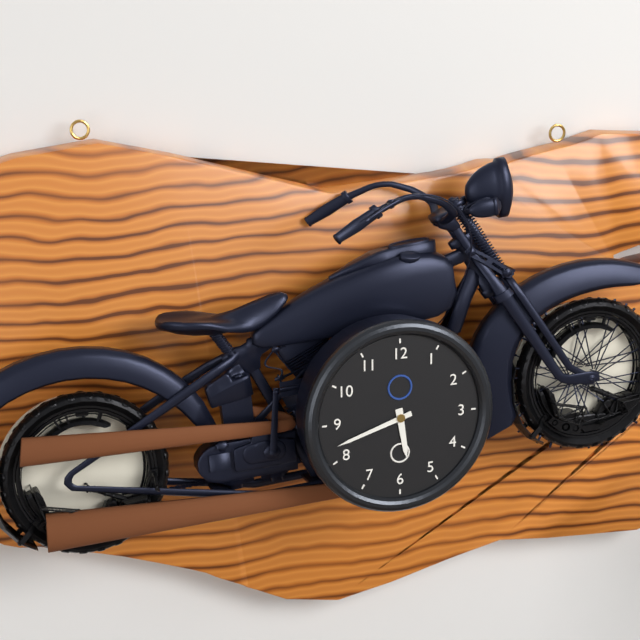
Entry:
5.42
